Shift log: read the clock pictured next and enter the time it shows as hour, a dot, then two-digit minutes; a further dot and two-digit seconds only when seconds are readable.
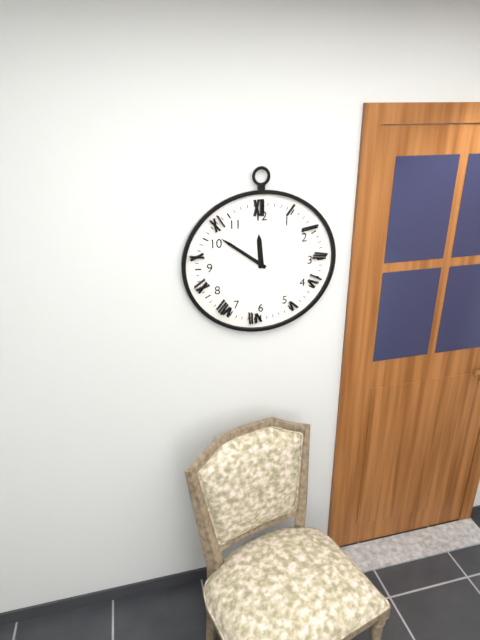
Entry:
11.51
